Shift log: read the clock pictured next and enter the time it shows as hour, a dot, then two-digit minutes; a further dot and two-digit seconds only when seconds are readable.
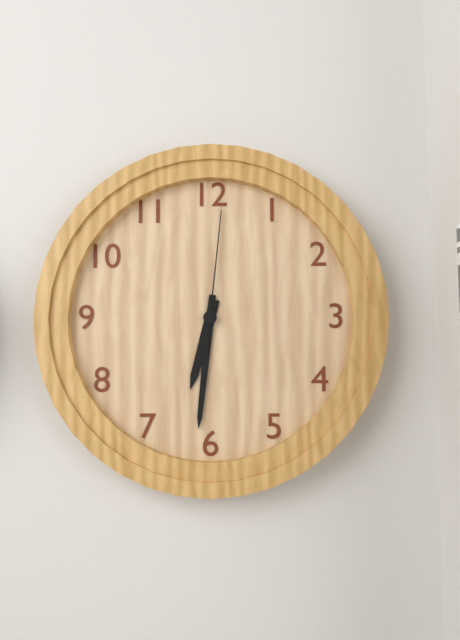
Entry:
6.31.01
